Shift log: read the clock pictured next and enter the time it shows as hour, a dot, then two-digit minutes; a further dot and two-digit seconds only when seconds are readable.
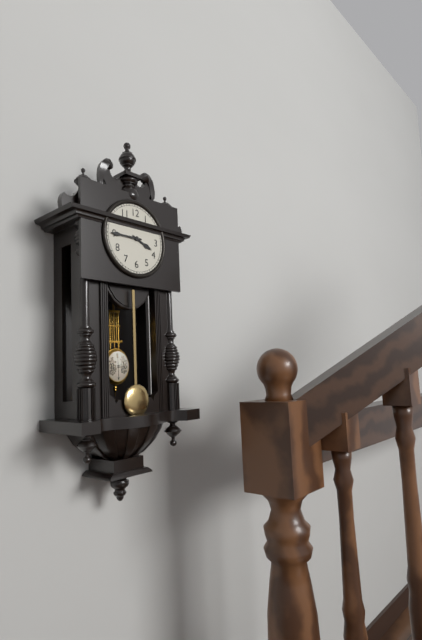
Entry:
3.45
